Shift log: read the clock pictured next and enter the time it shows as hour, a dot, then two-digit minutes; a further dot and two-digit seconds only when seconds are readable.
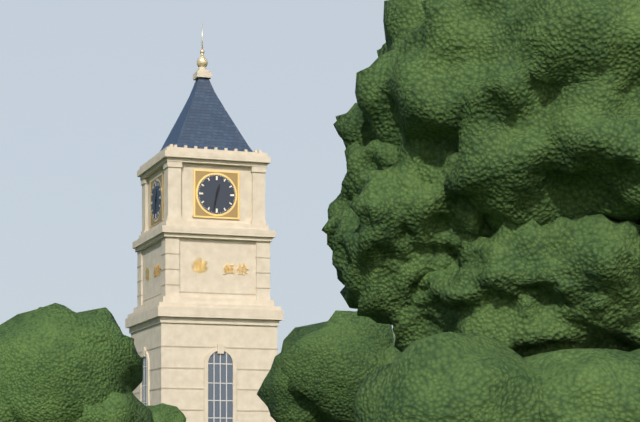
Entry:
12.32
